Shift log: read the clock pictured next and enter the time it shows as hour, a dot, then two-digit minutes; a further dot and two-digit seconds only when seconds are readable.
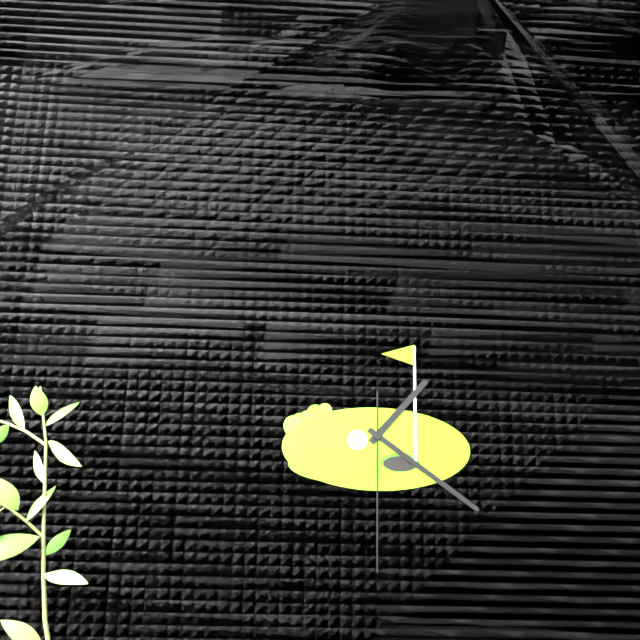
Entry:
1.21.30
